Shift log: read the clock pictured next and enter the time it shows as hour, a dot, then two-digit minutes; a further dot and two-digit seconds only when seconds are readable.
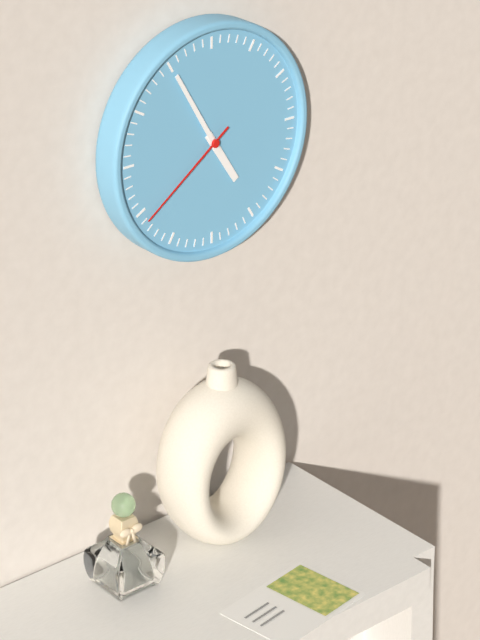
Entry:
4.55.39
